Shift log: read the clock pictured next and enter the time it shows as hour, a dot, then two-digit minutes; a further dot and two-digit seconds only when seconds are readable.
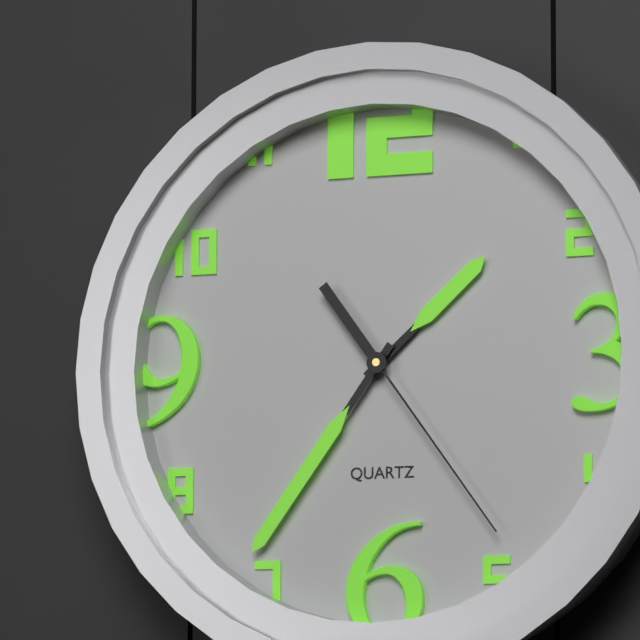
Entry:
1.36.24
